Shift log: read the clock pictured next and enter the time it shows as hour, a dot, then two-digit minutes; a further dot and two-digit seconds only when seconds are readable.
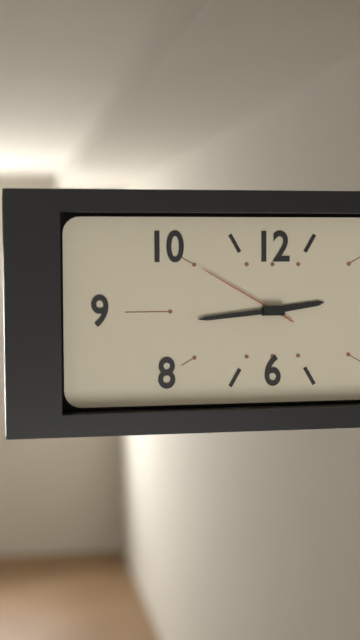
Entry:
2.44.50
